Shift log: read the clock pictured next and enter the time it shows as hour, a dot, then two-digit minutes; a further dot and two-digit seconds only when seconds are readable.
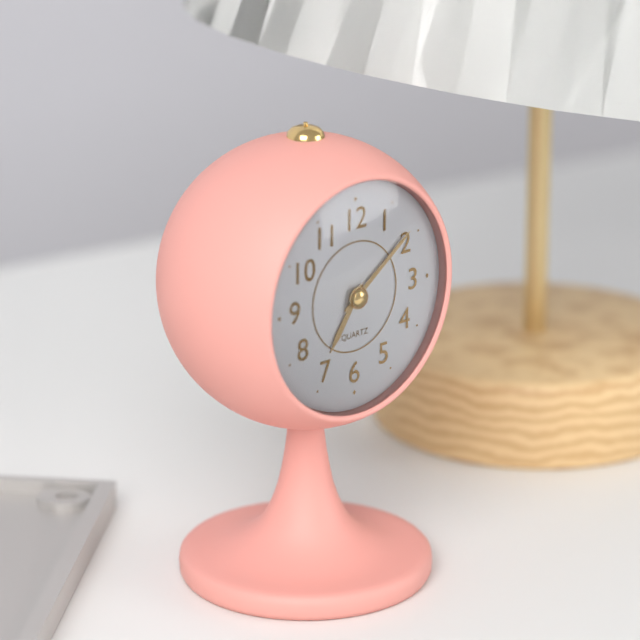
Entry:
7.09
